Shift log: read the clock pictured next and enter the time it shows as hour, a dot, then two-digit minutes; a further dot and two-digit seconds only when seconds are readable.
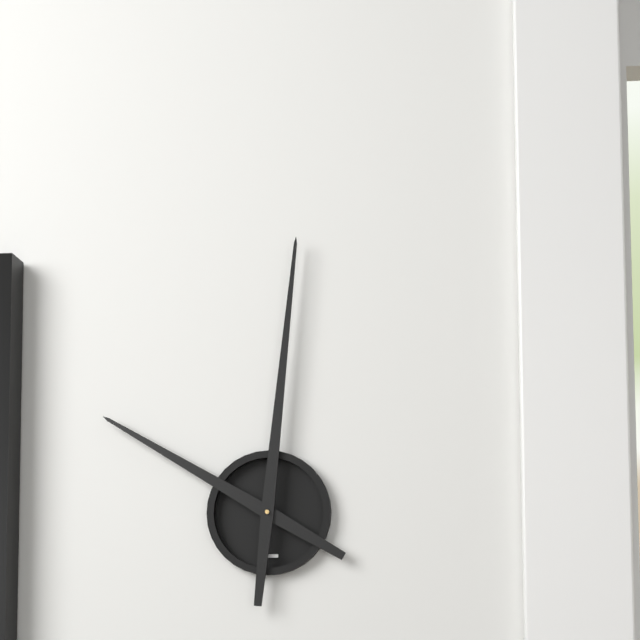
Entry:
10.01
